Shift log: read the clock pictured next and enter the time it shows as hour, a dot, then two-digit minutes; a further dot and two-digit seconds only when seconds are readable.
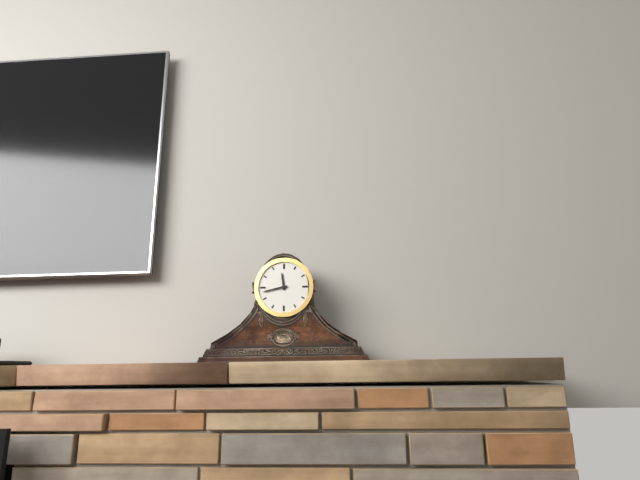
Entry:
11.43
